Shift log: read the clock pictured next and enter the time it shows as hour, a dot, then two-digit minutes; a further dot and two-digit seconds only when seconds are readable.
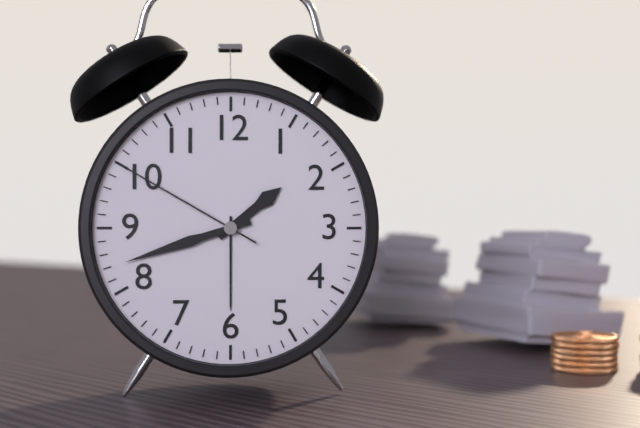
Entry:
1.42.50
